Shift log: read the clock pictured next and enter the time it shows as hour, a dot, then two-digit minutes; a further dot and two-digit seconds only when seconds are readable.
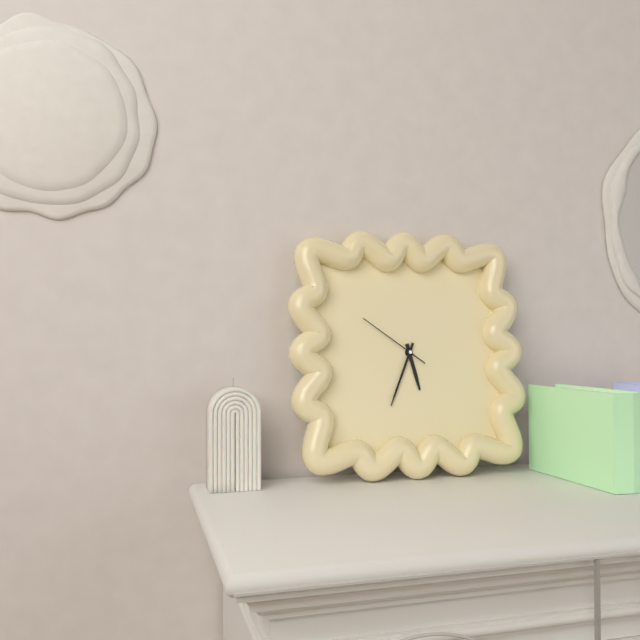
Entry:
5.34.51
